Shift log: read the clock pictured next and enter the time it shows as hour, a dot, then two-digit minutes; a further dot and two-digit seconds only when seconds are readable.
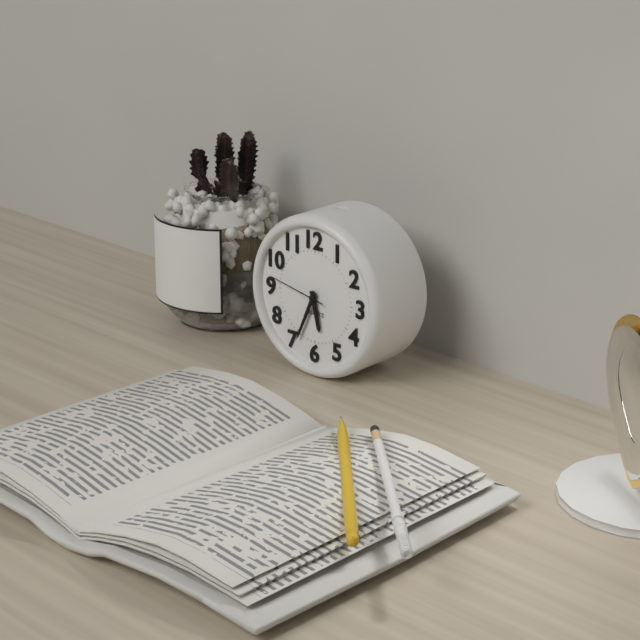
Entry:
5.34.47
